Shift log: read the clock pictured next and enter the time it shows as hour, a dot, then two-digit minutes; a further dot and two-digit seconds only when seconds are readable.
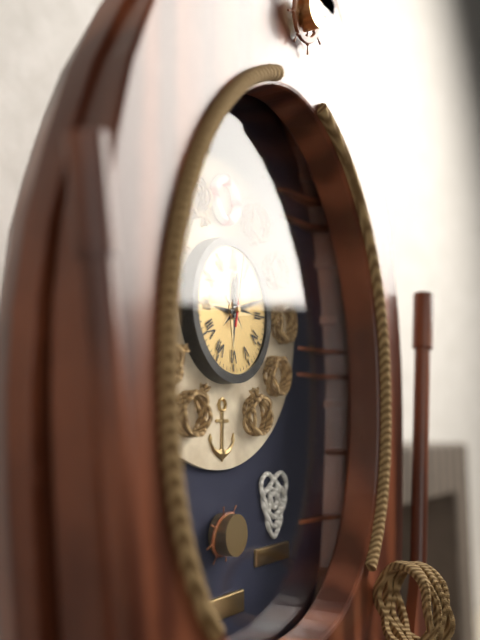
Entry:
12.12.02
